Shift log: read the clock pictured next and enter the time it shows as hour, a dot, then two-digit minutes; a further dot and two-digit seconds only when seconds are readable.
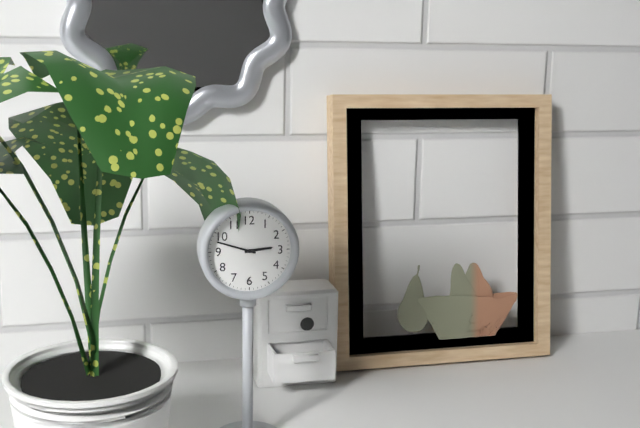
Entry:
2.48
